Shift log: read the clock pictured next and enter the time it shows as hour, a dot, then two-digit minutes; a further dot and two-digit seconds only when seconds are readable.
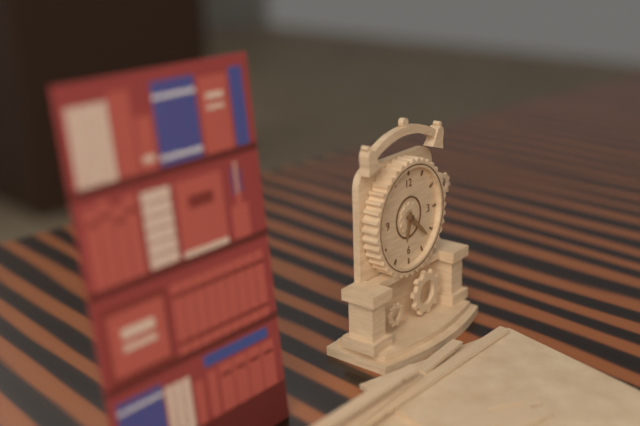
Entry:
6.22
